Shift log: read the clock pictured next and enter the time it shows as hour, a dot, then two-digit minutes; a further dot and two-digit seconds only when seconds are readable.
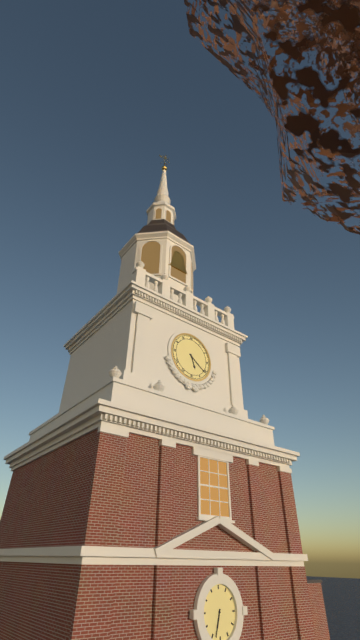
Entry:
5.21
